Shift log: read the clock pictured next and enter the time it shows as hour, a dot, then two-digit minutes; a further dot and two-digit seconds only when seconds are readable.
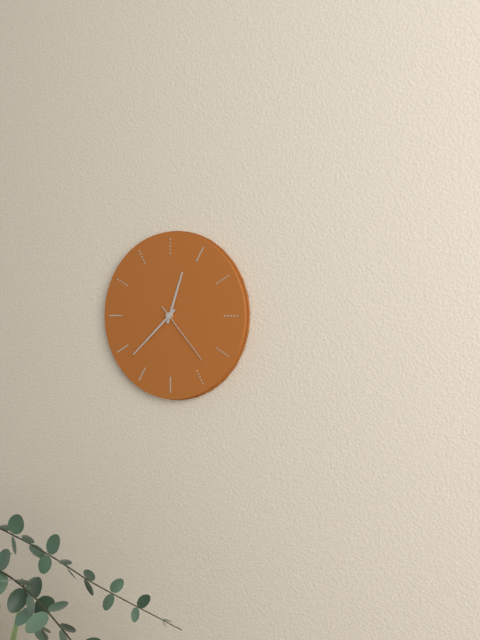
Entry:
12.38.23
